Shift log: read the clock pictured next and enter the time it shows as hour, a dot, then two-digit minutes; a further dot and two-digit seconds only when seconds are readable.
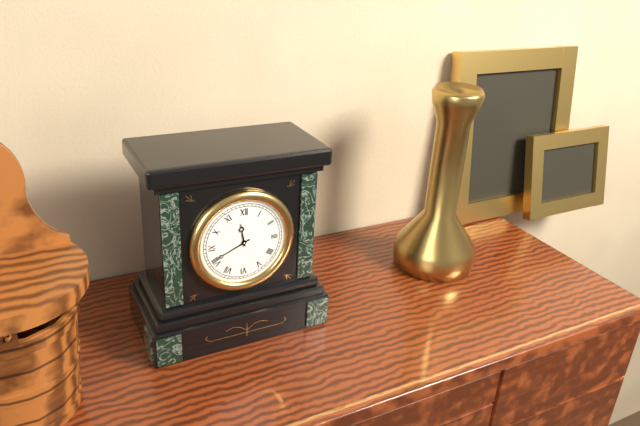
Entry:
11.41
